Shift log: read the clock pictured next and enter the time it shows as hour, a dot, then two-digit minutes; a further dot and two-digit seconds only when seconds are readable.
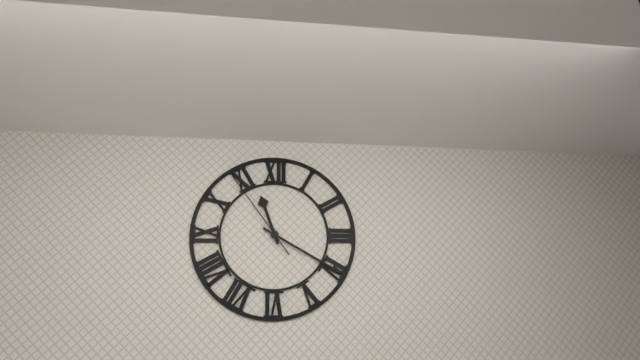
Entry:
11.20.54
